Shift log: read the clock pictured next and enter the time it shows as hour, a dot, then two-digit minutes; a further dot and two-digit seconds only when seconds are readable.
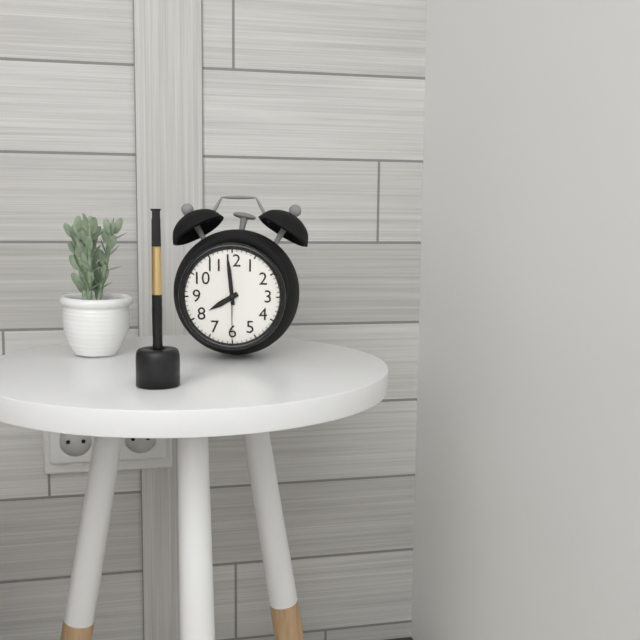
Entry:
7.59.30
